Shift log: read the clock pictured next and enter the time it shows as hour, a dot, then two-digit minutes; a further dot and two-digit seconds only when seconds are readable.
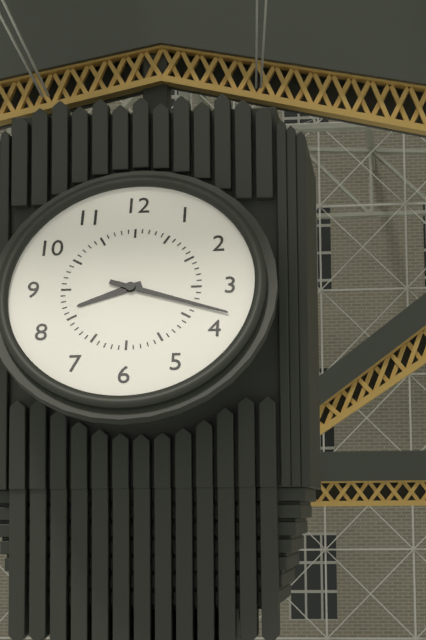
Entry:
8.18
